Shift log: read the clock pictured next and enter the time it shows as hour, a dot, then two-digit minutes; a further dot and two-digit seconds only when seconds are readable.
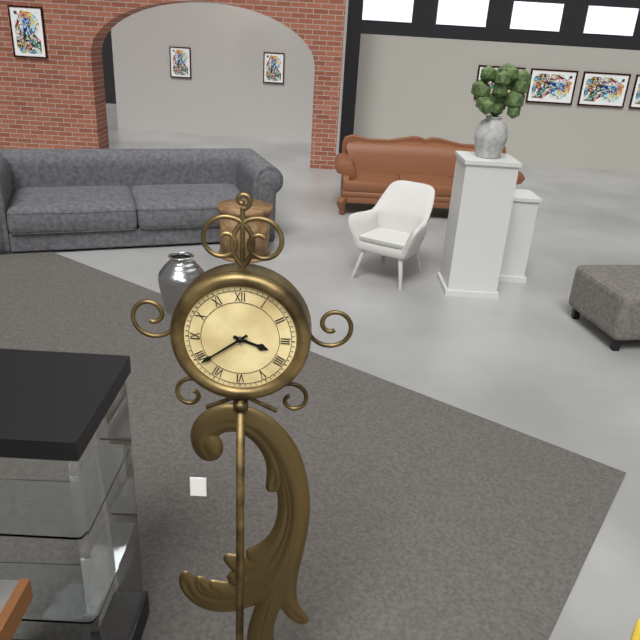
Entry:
3.39
